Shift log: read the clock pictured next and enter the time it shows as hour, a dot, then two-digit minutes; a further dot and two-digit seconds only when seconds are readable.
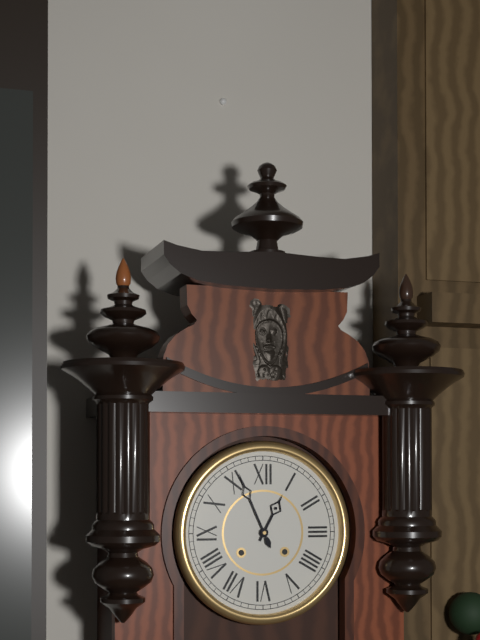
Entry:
12.56
